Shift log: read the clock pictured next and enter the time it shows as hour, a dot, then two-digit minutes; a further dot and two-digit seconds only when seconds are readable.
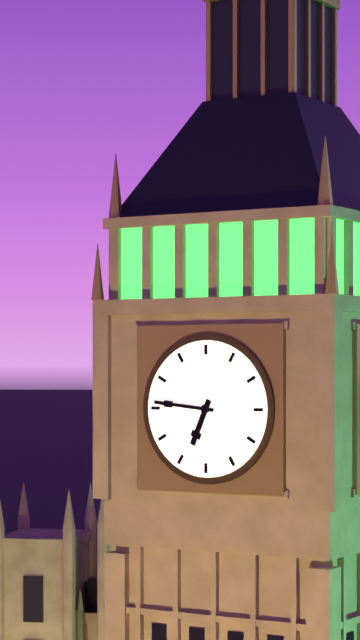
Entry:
6.46
